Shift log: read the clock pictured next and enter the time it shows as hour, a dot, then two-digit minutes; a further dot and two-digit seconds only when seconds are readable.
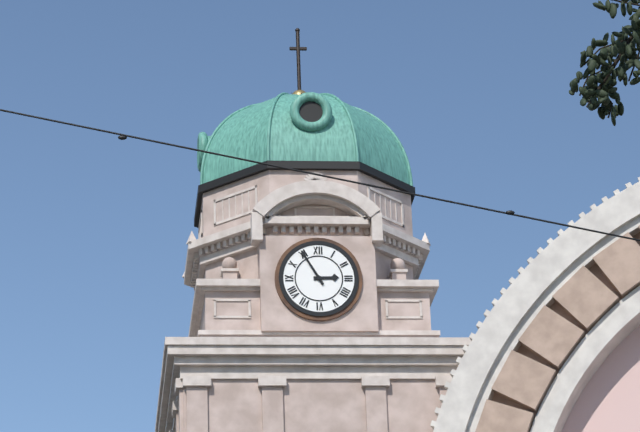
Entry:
2.55
